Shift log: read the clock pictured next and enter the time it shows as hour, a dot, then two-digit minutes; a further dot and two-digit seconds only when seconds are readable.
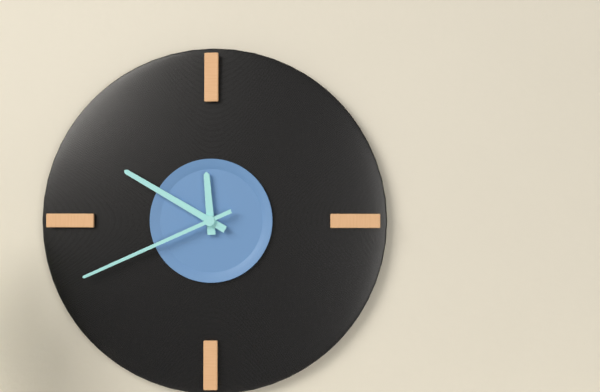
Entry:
11.50.41
